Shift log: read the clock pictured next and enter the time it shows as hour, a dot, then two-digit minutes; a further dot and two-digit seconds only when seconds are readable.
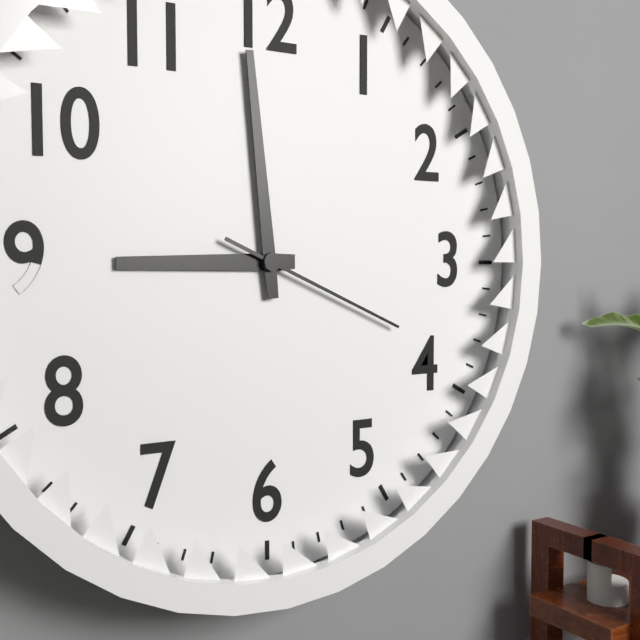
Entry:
8.59.19
